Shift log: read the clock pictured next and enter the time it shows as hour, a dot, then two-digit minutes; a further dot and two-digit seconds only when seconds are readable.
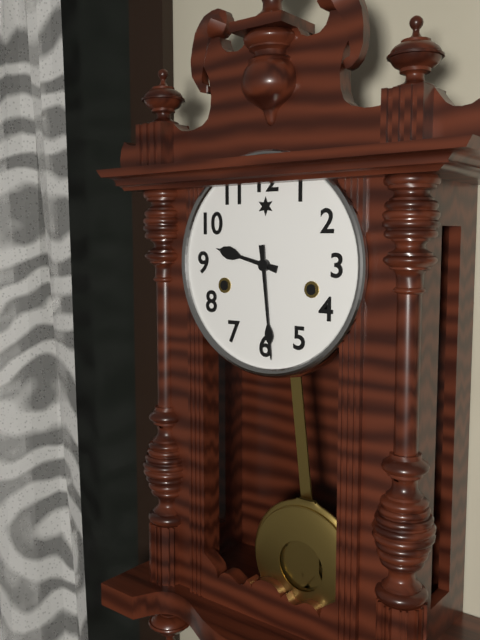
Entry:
9.29
